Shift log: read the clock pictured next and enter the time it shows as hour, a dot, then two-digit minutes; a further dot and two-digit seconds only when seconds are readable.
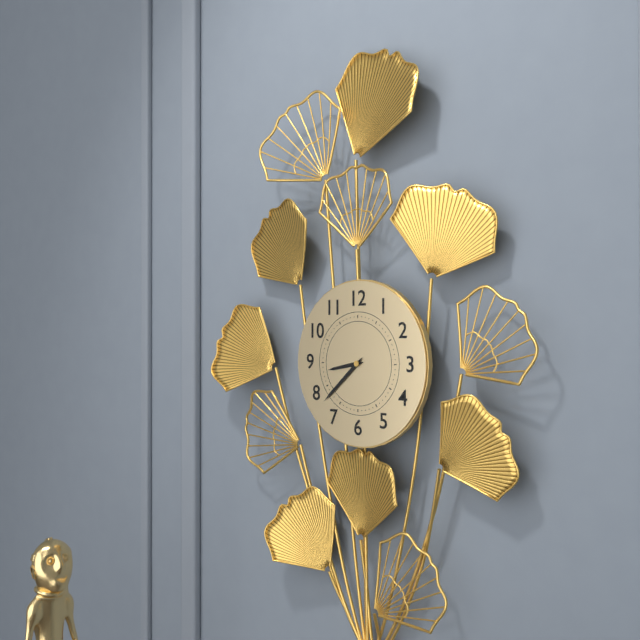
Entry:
8.38
